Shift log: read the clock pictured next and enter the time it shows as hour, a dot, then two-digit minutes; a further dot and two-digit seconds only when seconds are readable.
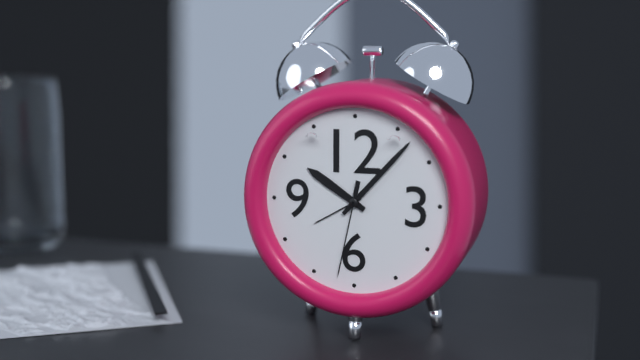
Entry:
10.07.32
